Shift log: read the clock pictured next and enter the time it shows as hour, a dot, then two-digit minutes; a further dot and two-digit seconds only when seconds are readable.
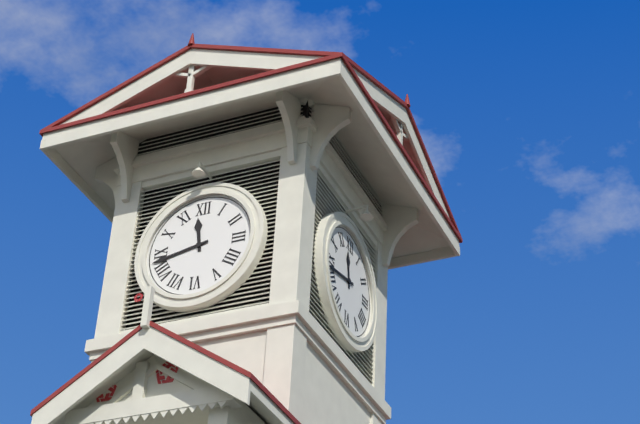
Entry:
11.43
